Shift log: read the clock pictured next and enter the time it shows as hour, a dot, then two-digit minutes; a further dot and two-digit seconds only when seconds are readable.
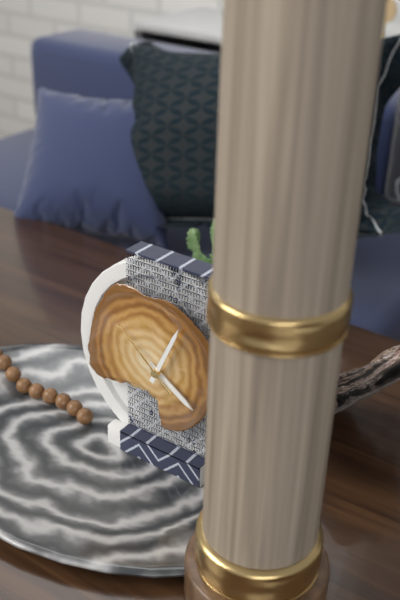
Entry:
4.04.52
